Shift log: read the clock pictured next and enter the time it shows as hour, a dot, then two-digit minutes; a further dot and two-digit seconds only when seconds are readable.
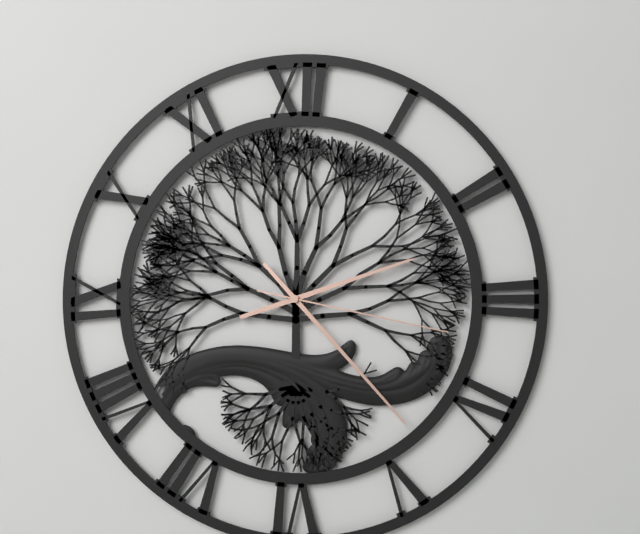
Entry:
2.23.17
